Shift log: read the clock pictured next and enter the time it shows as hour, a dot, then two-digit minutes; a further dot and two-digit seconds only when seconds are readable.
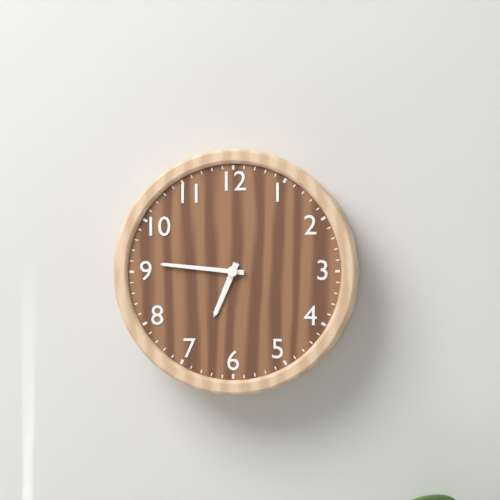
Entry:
6.46
